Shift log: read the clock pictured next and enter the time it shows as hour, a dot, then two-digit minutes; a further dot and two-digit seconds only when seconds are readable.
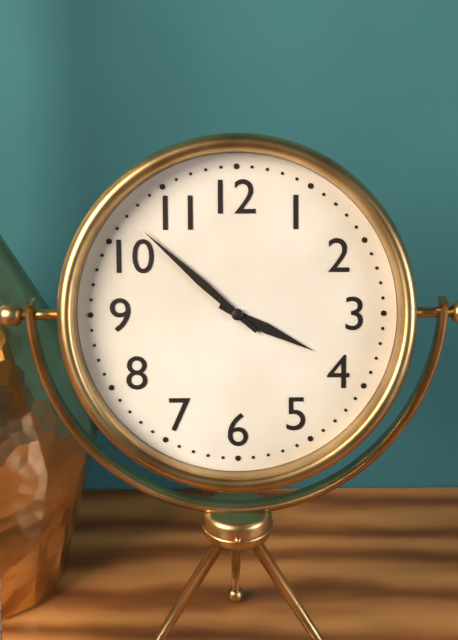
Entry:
3.52
